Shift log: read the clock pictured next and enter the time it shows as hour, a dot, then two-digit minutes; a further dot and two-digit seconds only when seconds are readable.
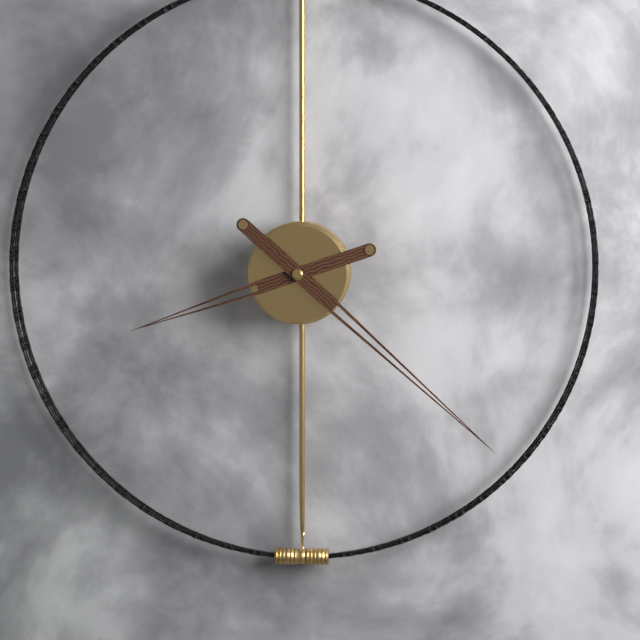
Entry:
8.22
